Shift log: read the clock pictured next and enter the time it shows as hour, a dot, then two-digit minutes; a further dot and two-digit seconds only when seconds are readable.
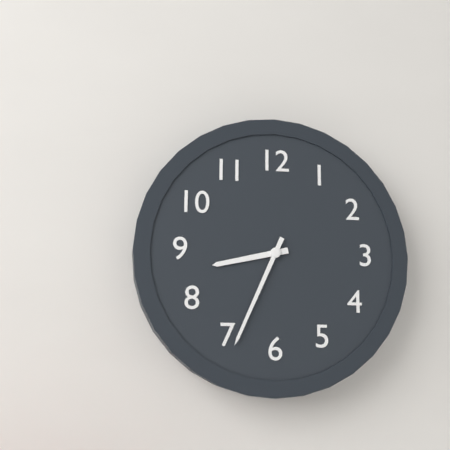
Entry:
8.34
